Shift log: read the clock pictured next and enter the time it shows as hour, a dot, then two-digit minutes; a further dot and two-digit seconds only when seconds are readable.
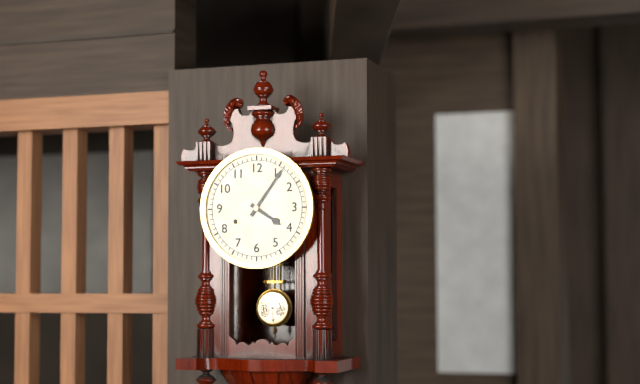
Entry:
4.06
